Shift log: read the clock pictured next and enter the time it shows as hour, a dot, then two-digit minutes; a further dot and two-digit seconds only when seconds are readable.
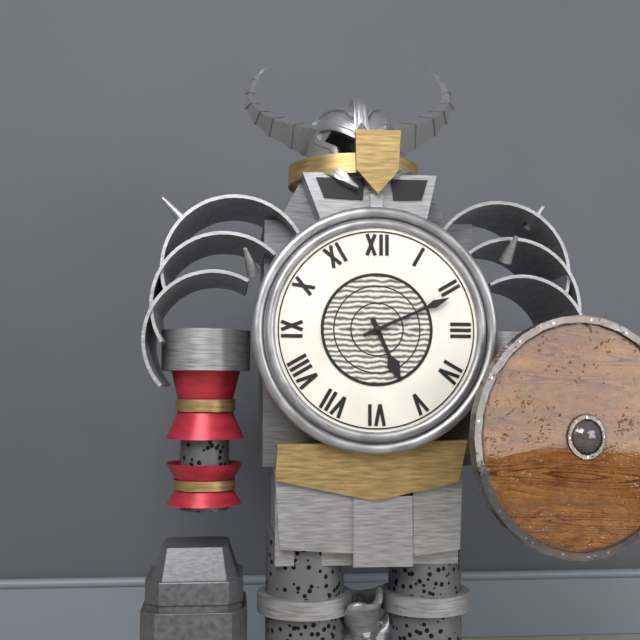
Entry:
5.11
